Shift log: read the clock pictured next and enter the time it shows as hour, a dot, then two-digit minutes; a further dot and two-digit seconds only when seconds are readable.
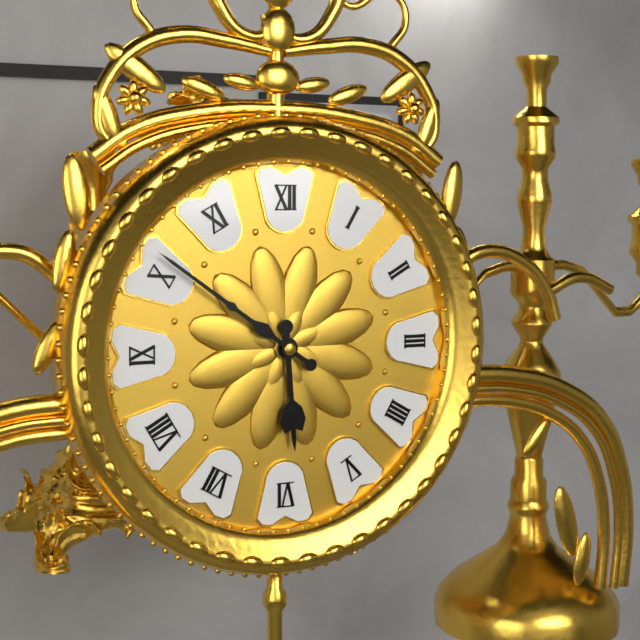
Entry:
5.51
